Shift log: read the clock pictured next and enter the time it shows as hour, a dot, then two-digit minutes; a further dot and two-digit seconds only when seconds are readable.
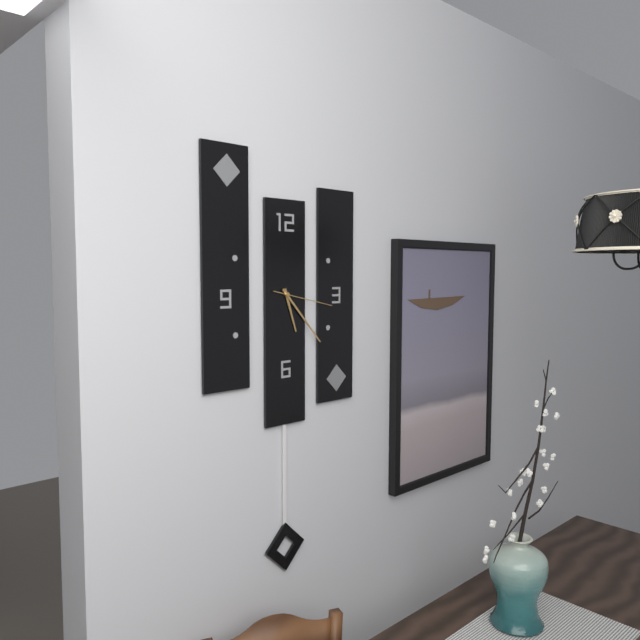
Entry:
5.23.17
